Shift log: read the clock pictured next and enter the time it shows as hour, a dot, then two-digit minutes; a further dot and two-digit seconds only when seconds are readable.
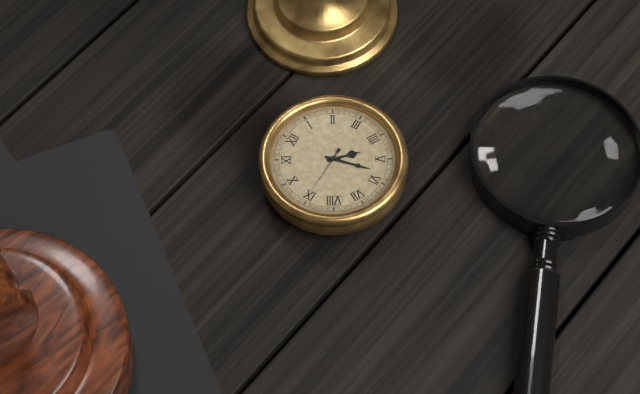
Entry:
4.28
